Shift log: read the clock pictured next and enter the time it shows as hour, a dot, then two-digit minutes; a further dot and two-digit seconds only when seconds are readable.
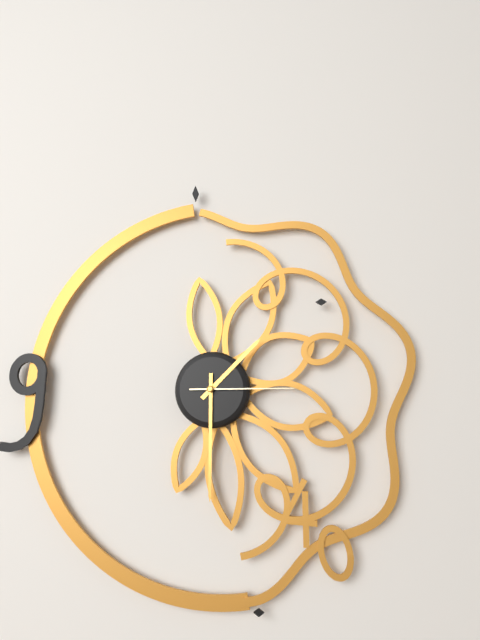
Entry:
1.30.15
